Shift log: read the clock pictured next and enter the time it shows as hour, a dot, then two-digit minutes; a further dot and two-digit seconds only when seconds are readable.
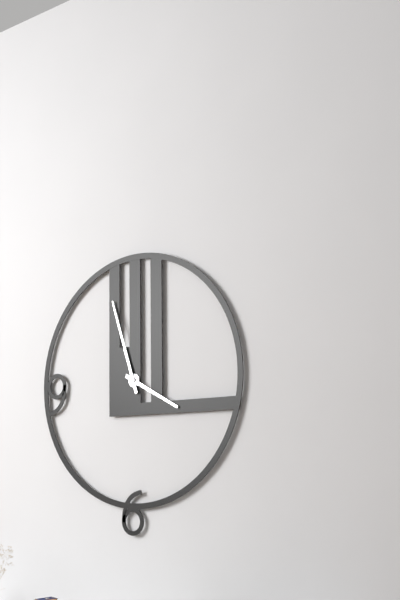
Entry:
3.57
